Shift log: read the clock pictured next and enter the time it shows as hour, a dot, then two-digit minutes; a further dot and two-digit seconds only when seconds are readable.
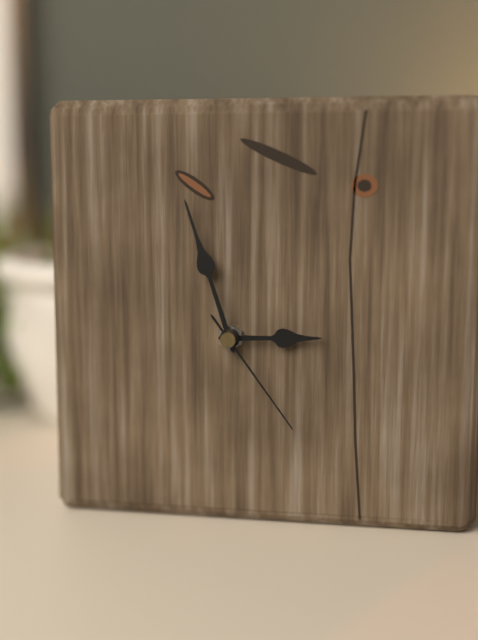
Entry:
2.57.24
